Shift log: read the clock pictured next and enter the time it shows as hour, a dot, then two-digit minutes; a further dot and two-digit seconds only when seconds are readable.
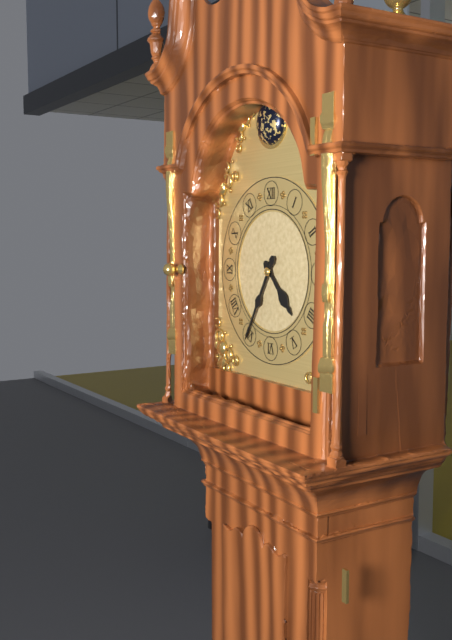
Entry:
4.35
